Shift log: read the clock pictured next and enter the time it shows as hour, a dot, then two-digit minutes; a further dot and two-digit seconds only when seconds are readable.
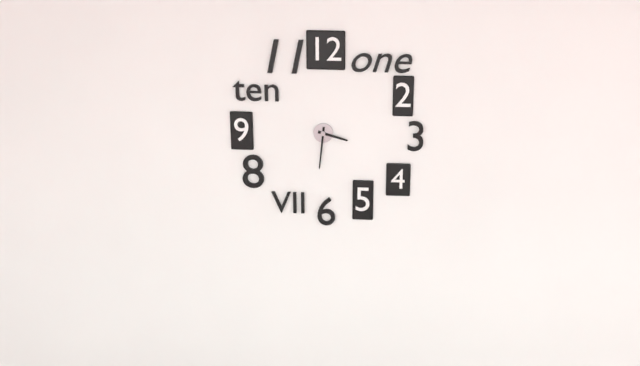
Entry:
3.31
